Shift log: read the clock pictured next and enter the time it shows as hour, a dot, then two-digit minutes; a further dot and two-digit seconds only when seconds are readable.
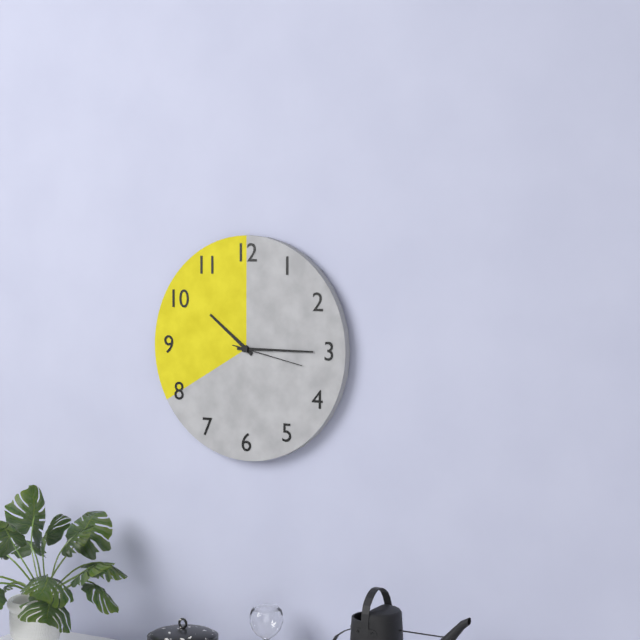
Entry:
10.15.17
